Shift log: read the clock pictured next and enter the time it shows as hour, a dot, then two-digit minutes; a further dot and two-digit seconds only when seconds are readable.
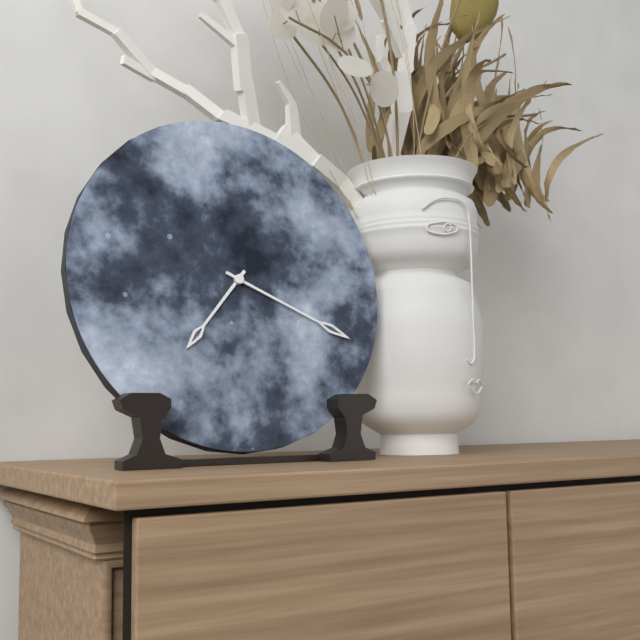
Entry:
7.19
